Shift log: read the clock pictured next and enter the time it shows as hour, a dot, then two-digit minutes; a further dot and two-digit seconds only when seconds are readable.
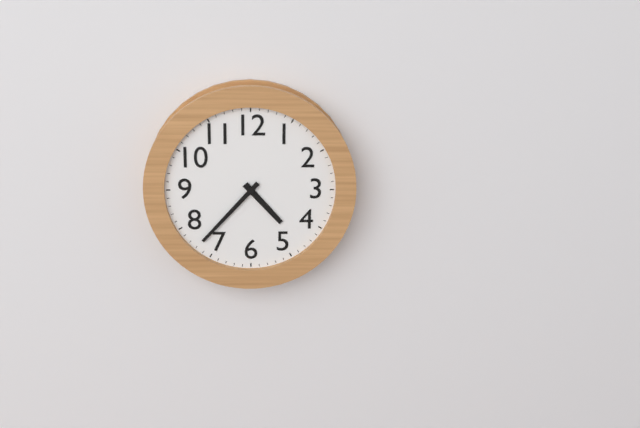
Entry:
4.37
